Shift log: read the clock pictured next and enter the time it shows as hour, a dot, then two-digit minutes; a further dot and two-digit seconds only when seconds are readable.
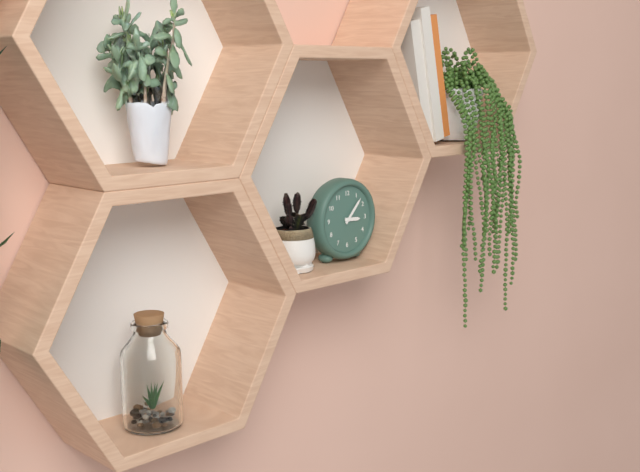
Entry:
3.07
